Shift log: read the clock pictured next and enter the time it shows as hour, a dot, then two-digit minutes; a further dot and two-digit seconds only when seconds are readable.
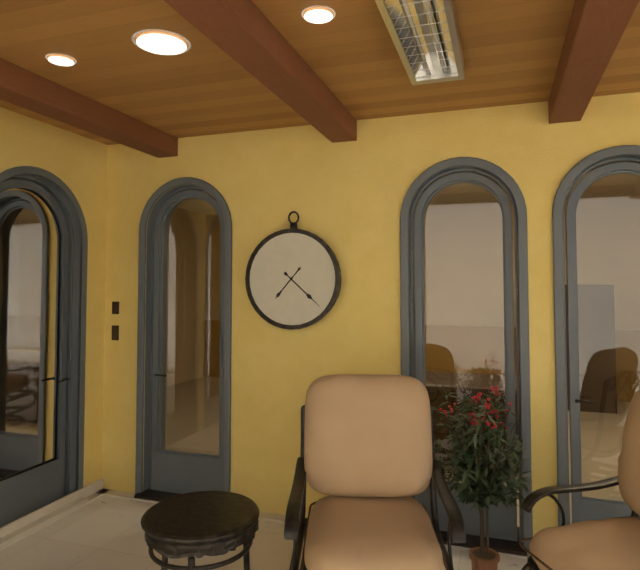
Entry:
7.22
